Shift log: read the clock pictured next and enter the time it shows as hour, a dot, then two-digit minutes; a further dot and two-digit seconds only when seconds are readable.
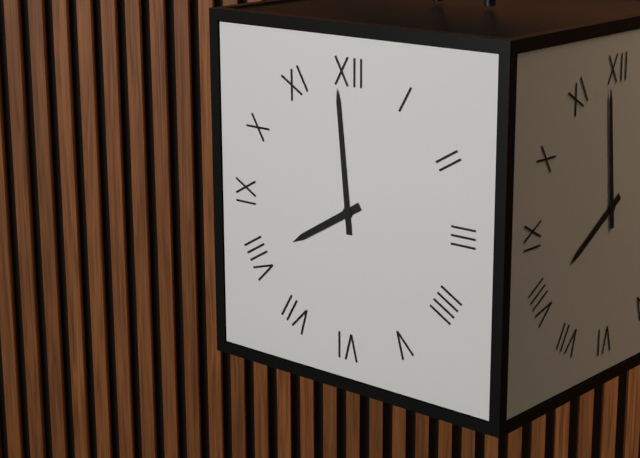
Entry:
7.59
